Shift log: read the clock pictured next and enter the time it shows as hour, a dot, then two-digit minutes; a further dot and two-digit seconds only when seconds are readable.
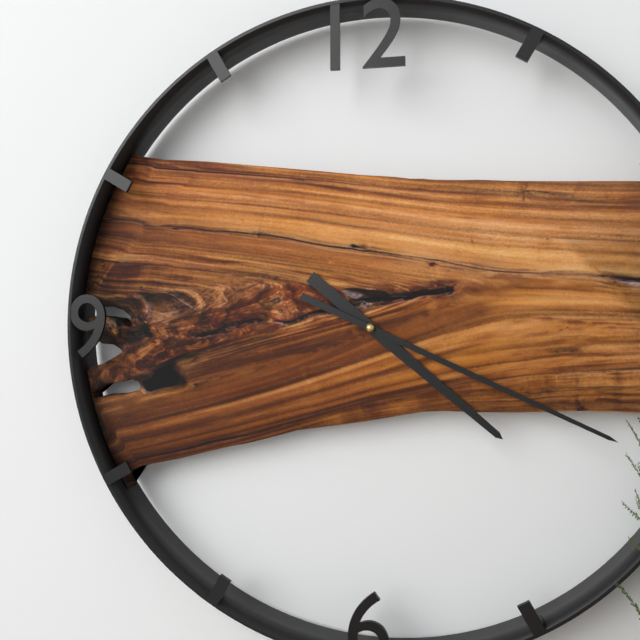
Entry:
4.19
